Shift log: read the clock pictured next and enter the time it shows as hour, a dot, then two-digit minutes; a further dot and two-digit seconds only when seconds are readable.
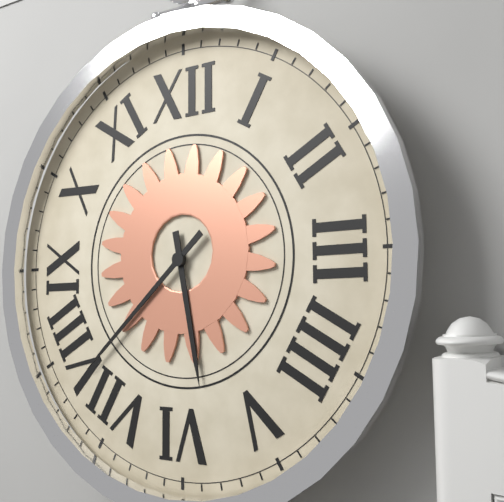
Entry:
5.38
